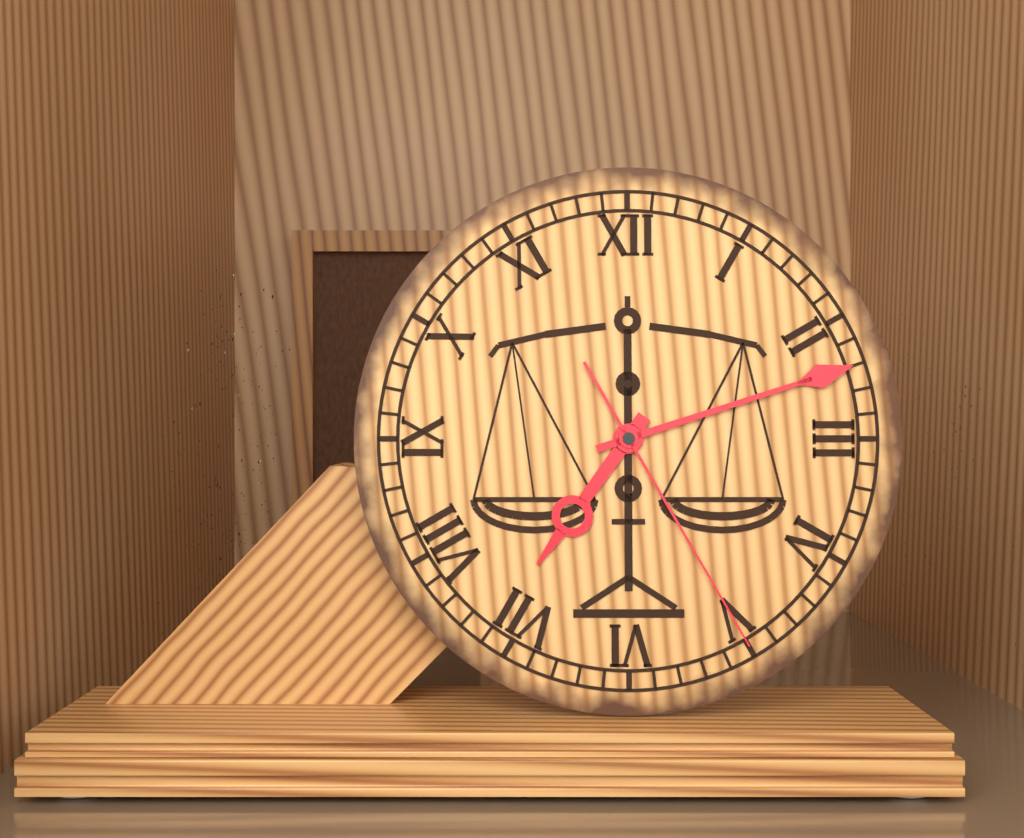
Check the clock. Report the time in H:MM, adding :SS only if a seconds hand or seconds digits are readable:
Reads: 7:12:25
